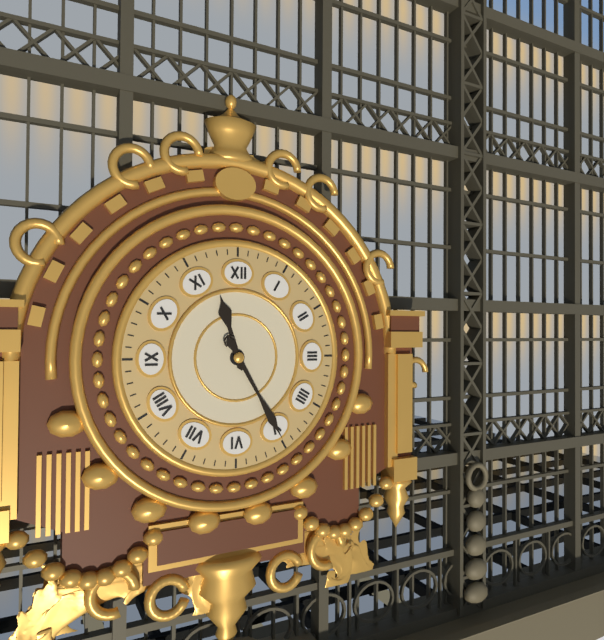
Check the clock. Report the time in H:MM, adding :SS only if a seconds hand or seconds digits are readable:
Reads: 11:25
